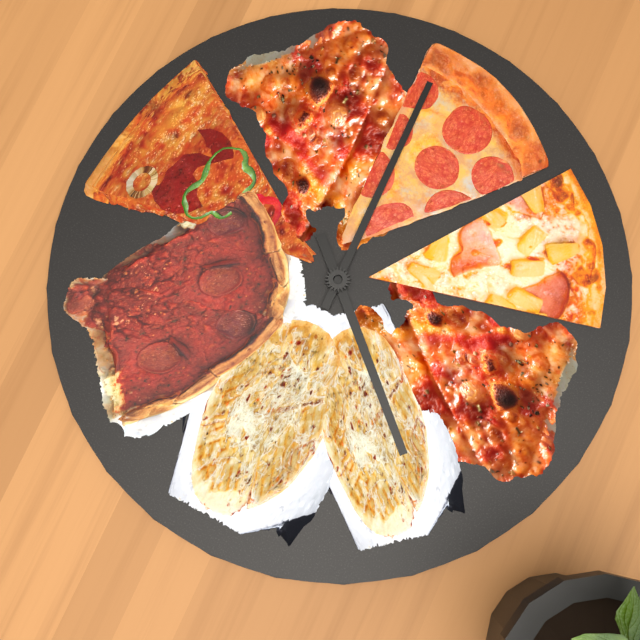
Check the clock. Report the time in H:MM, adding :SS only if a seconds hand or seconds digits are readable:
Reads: 10:30
